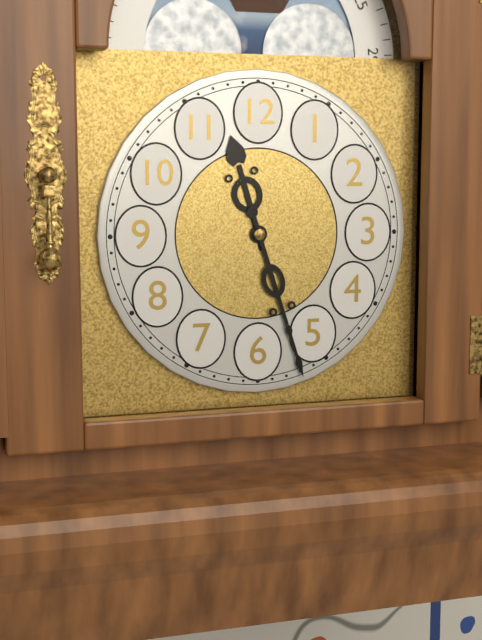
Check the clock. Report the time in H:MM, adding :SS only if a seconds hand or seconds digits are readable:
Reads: 11:27
